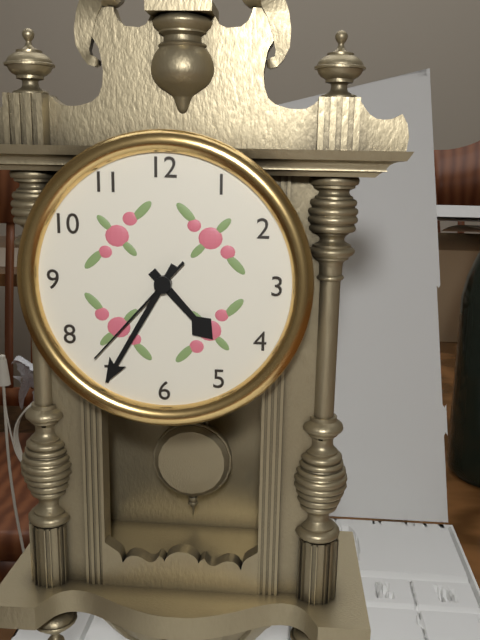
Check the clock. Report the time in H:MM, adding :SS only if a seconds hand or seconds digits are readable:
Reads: 4:35:37
